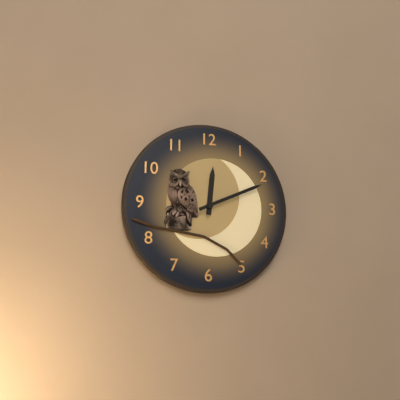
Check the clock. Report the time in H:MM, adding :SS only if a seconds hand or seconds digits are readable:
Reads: 12:11
